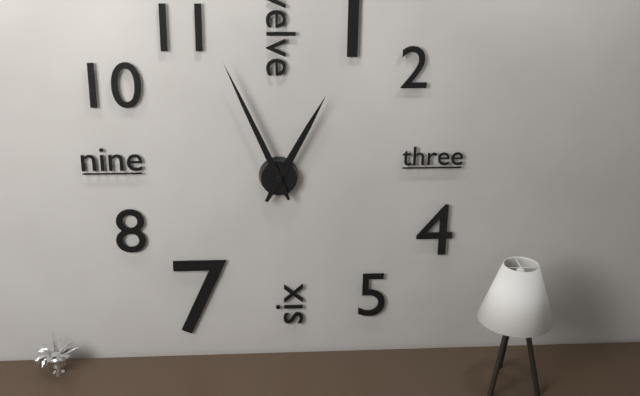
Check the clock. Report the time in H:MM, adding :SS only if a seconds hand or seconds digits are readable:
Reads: 12:56
